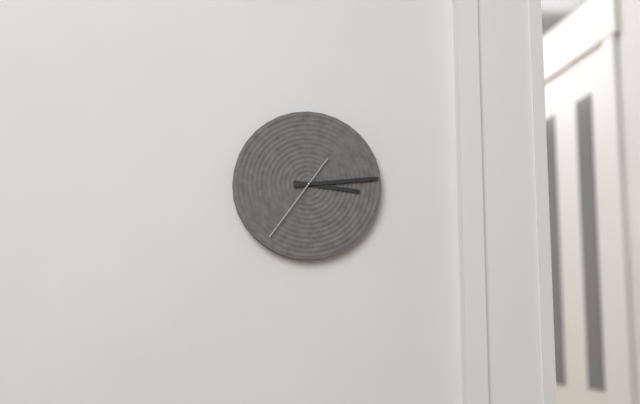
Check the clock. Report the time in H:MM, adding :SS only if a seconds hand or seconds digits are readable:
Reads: 3:14:36
